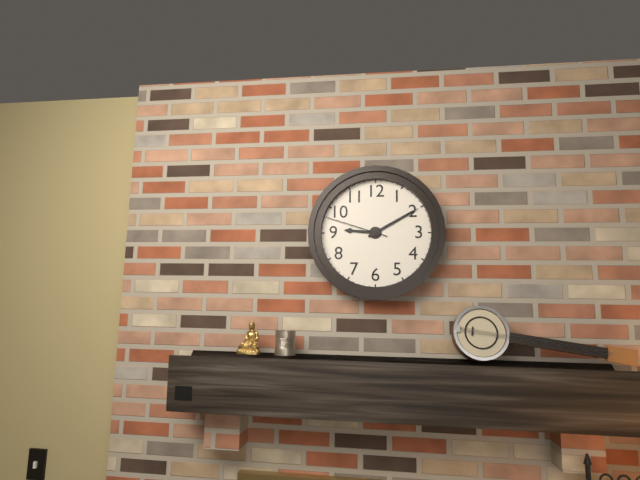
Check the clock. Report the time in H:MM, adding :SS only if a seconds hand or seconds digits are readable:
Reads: 9:10:48
